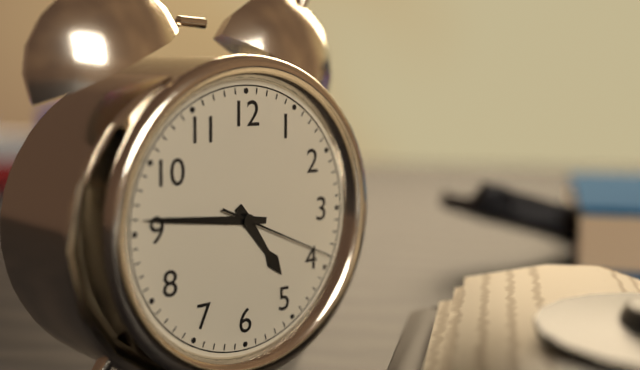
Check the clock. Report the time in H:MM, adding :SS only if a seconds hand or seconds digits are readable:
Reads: 4:46:19
